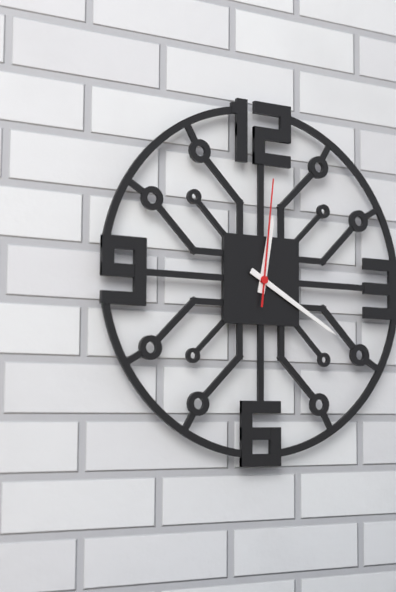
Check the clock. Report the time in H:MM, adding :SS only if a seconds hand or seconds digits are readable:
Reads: 12:20:01
